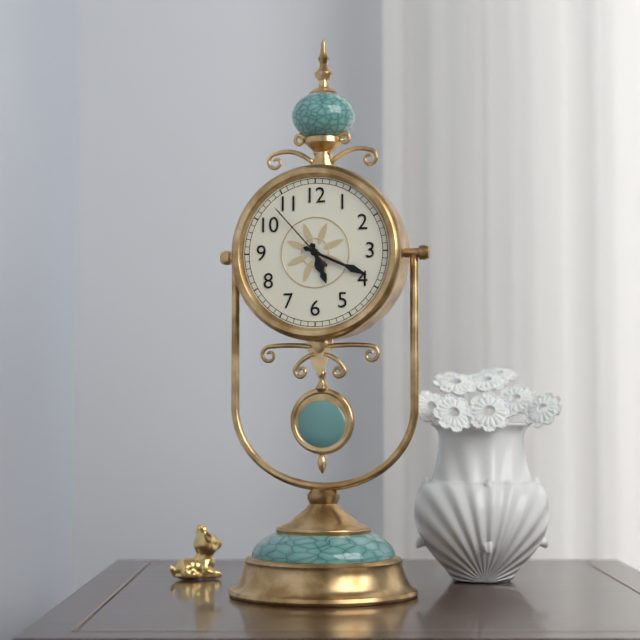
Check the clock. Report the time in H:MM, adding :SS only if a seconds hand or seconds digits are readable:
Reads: 5:19:53
